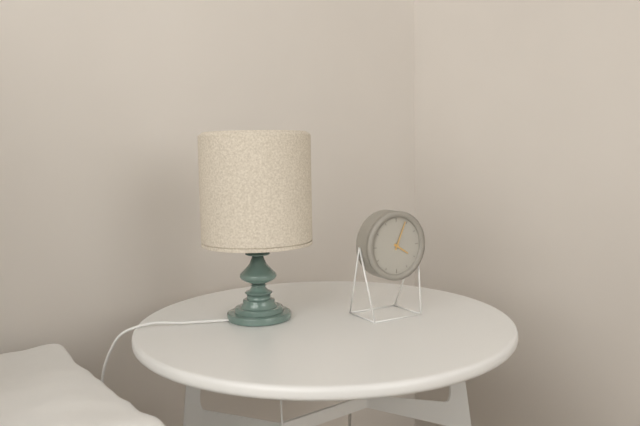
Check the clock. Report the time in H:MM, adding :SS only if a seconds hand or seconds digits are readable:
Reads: 4:04
